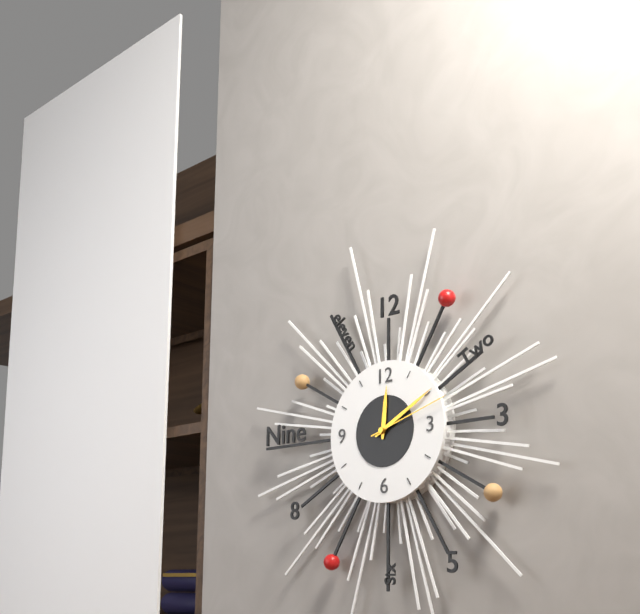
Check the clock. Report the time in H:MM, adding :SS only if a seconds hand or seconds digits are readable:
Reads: 12:10:12
